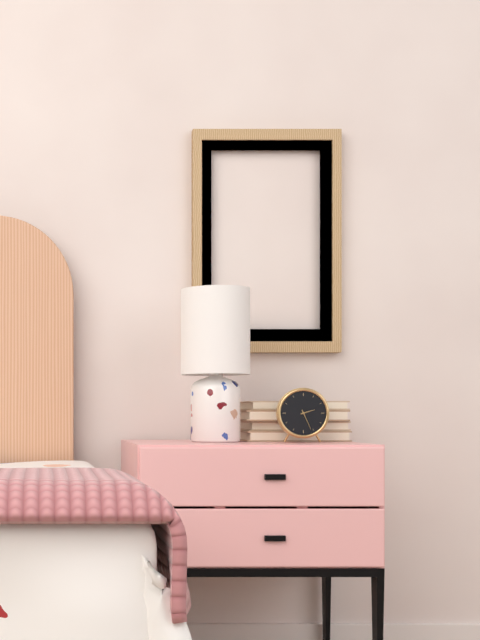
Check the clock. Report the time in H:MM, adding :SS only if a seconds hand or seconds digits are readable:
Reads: 2:26
